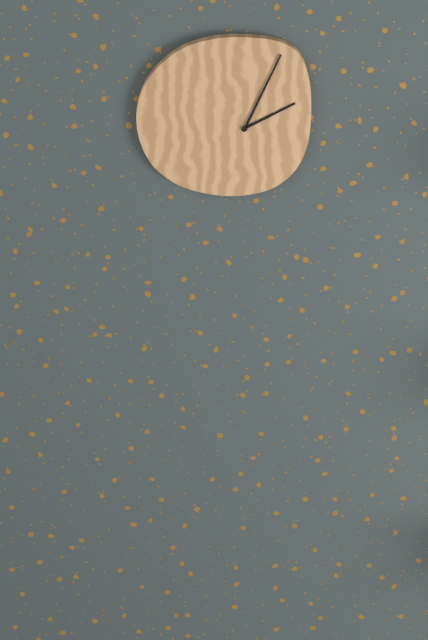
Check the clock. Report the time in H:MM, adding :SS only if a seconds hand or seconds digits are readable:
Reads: 2:04
